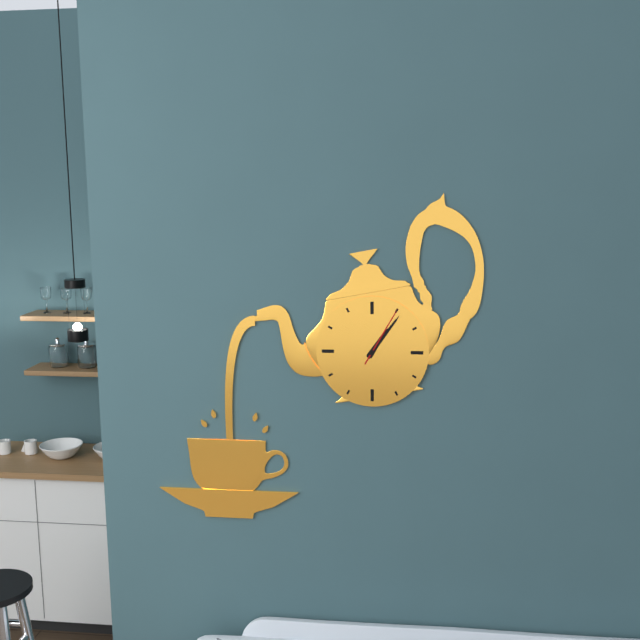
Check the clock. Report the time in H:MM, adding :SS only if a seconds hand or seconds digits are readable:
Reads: 1:06:05
